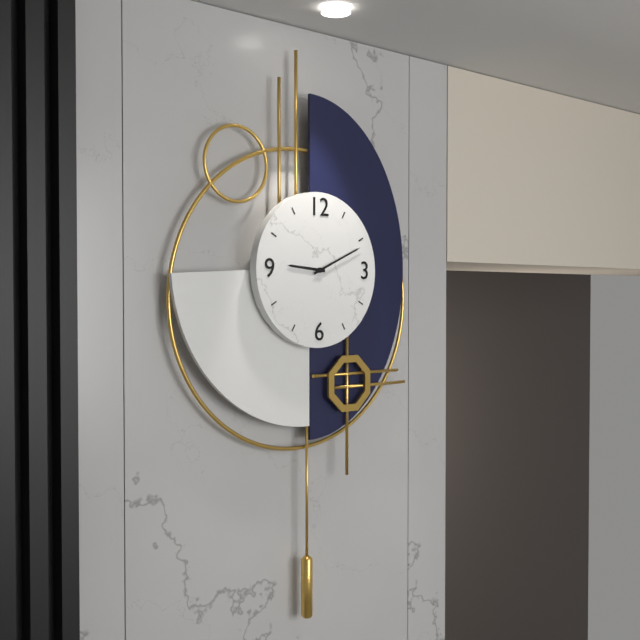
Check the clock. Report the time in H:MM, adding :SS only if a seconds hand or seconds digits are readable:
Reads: 9:11
